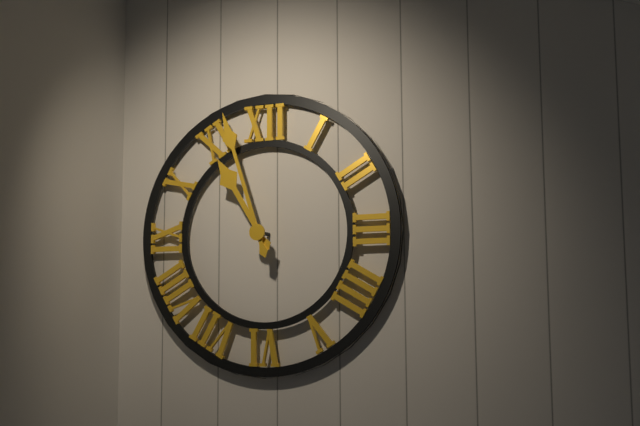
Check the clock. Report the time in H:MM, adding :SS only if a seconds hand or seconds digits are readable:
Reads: 10:57
